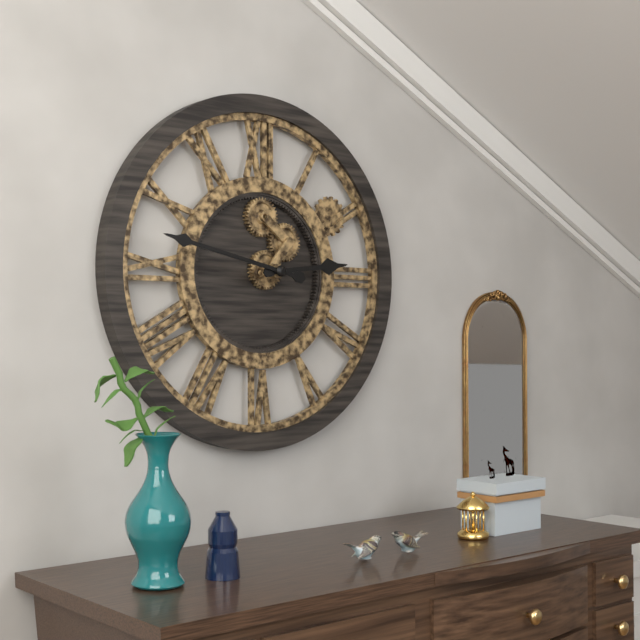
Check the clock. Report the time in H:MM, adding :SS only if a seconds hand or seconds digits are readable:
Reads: 2:47
